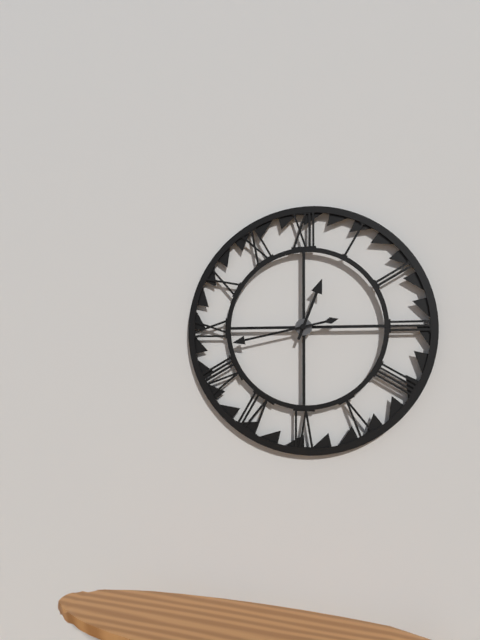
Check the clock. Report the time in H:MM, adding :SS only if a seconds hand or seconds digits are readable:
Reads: 12:43
